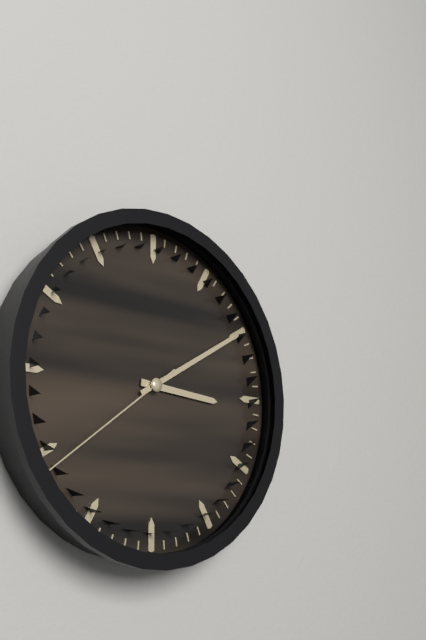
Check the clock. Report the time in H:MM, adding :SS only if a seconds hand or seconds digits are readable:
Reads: 3:10:39
